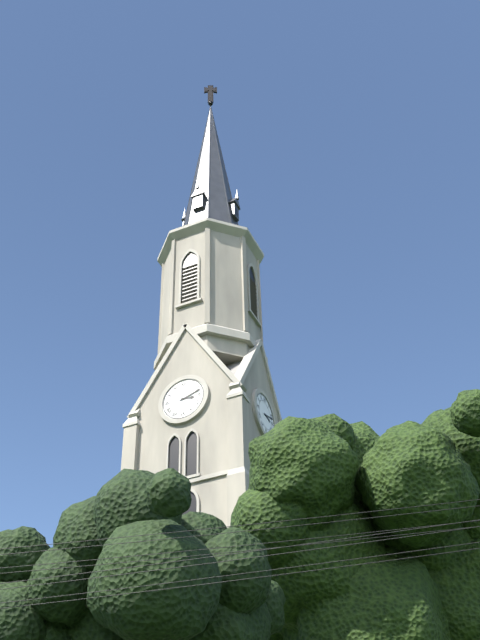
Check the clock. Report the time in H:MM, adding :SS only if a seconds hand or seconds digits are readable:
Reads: 3:12
